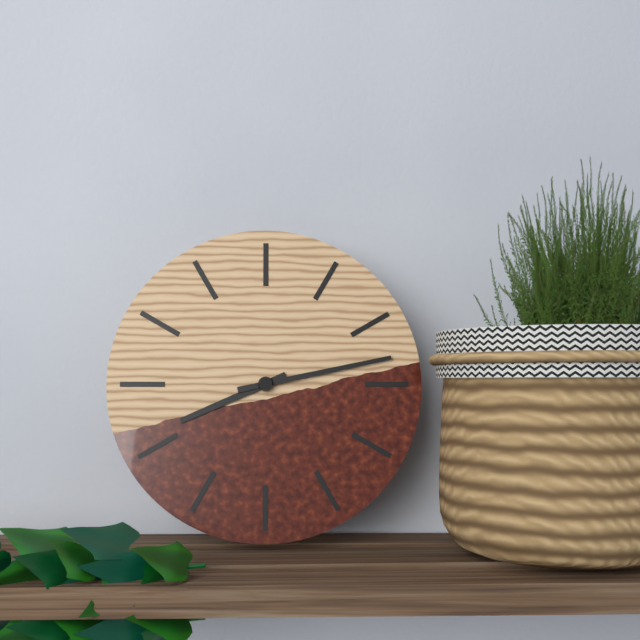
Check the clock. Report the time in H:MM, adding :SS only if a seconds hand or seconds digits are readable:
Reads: 8:13
